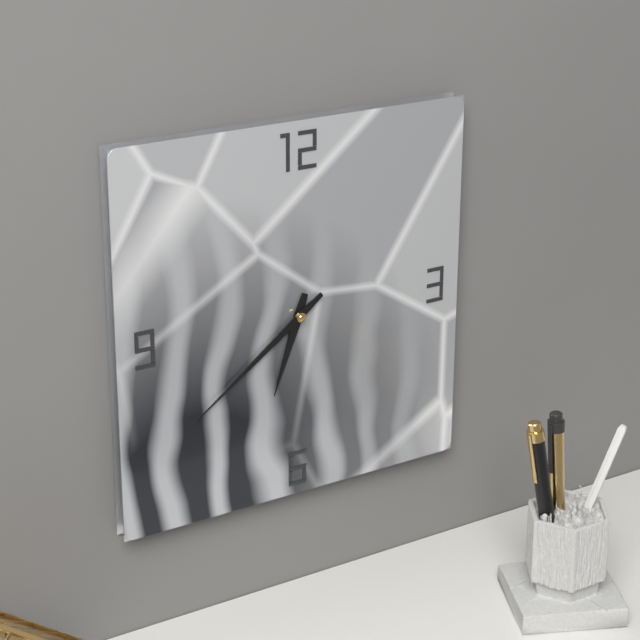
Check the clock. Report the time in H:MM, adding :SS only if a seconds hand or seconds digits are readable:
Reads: 6:39
